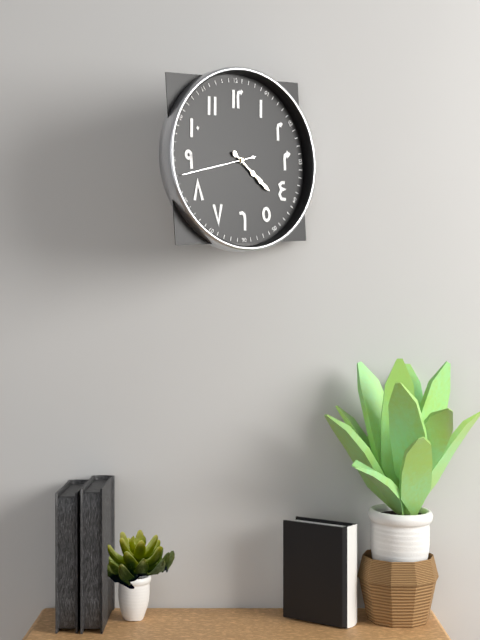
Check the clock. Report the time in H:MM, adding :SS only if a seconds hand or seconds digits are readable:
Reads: 4:22:43
